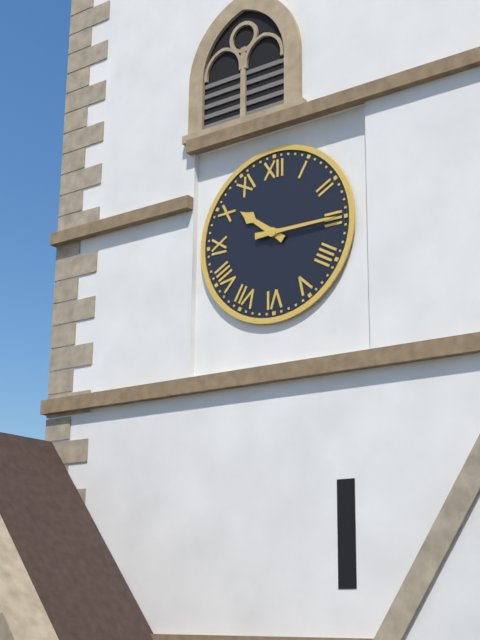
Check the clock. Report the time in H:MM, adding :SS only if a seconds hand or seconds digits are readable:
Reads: 10:15
